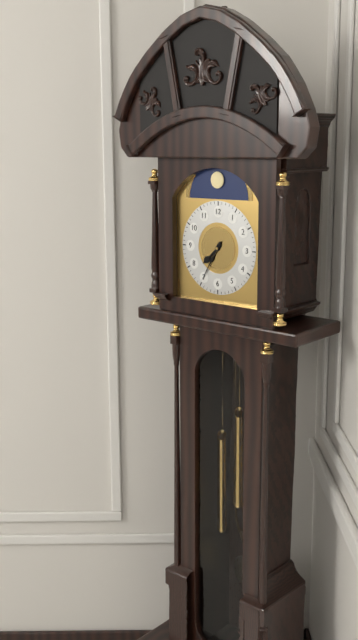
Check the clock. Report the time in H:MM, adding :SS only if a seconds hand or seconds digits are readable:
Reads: 7:35
